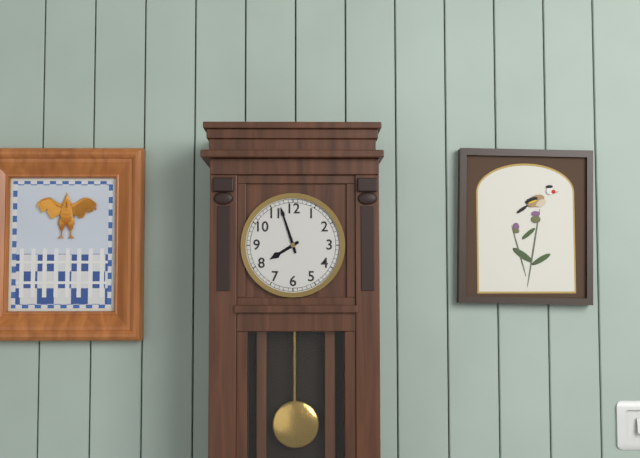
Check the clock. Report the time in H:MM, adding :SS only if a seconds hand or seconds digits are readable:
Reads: 7:57
